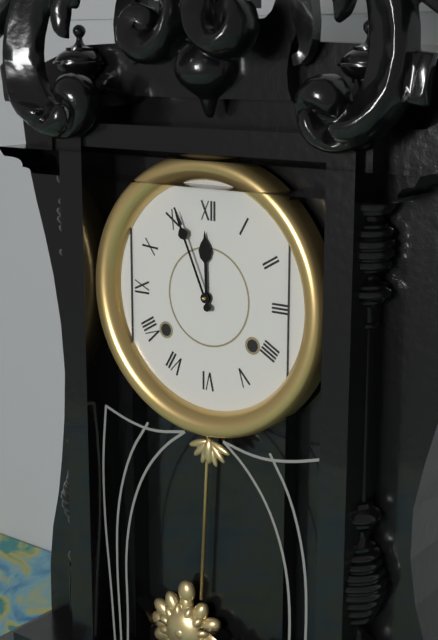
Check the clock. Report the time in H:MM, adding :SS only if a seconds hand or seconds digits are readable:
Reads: 11:56
